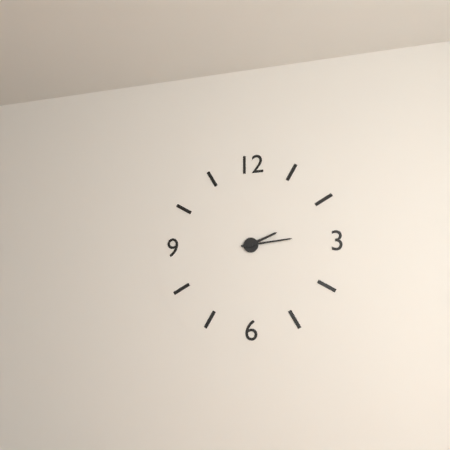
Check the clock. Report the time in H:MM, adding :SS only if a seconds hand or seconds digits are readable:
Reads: 2:14
